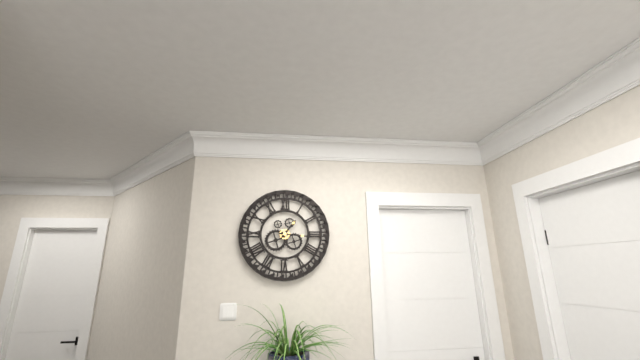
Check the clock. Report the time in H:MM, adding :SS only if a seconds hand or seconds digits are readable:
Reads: 1:16
